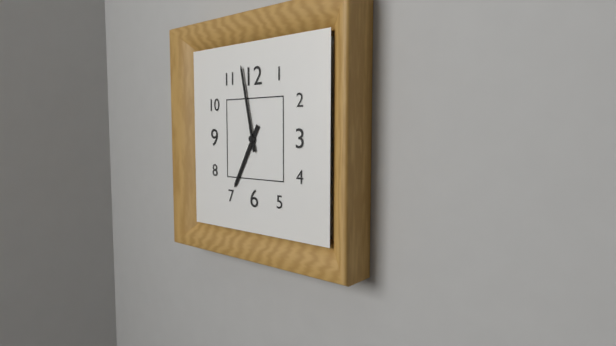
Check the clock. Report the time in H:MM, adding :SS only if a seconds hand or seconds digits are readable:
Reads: 6:58
